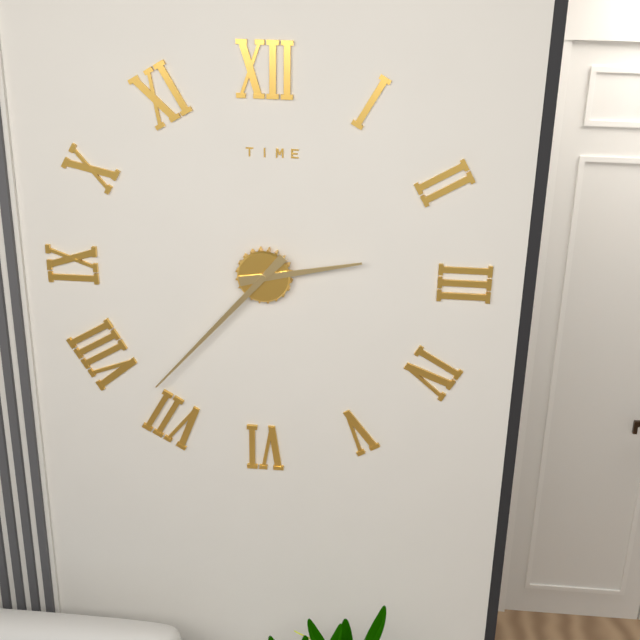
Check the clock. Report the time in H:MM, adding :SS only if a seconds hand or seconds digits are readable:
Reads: 2:37
